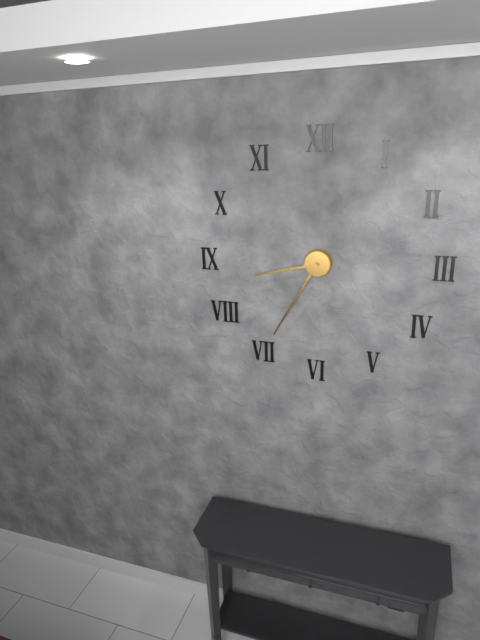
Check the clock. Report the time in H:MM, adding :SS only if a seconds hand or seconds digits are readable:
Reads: 8:35
